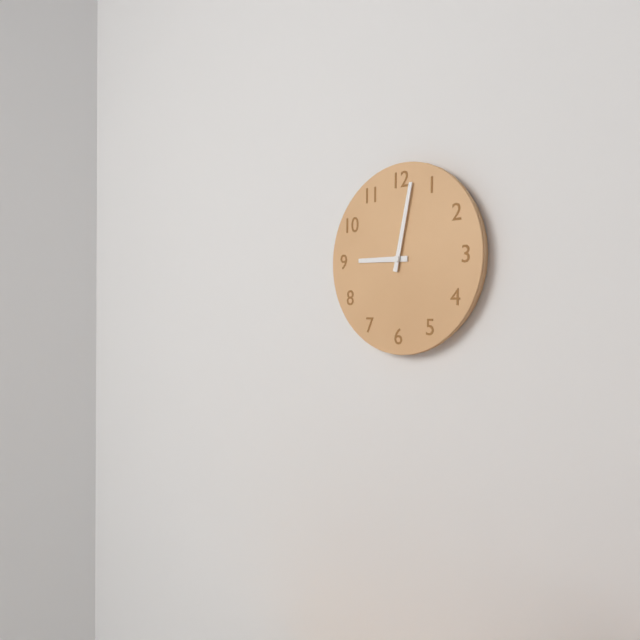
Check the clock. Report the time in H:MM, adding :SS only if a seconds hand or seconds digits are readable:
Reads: 9:02
